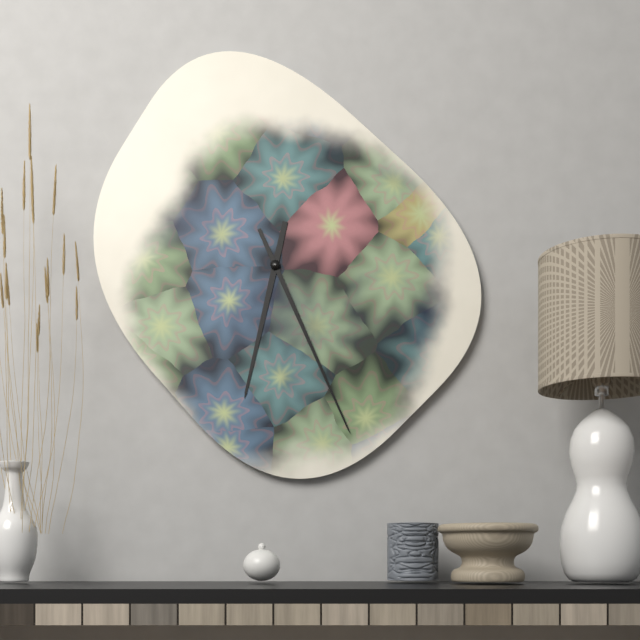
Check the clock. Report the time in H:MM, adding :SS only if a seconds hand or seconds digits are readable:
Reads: 6:26
